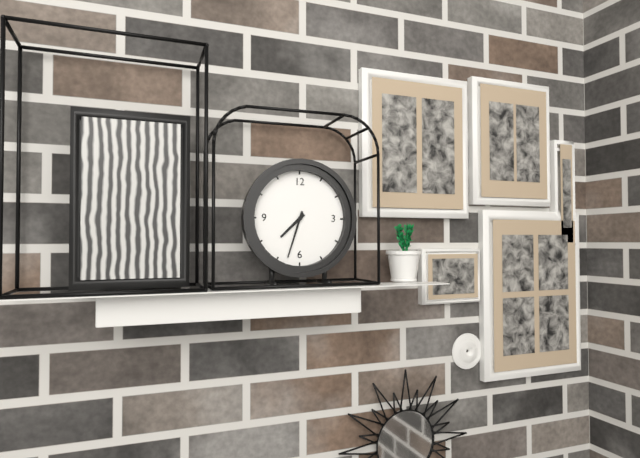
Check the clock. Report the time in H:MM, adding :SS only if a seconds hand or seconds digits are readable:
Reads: 7:33
